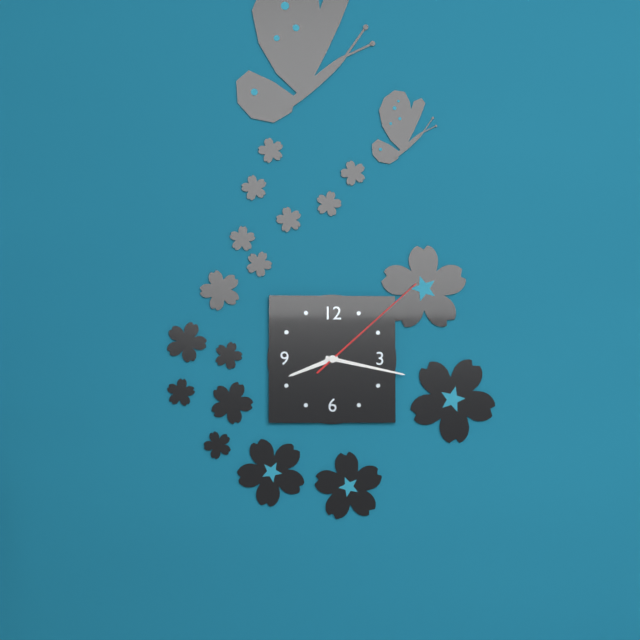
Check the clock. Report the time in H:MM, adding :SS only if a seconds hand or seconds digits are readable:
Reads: 8:17:08
